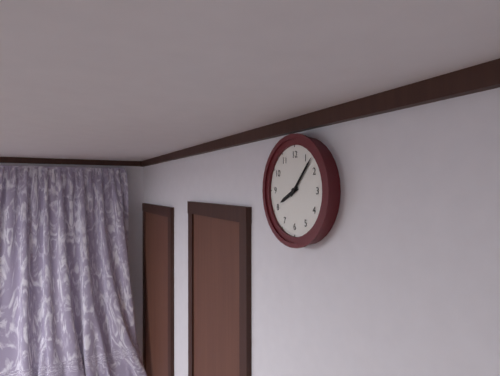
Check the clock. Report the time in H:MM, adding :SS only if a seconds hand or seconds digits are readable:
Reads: 8:07
